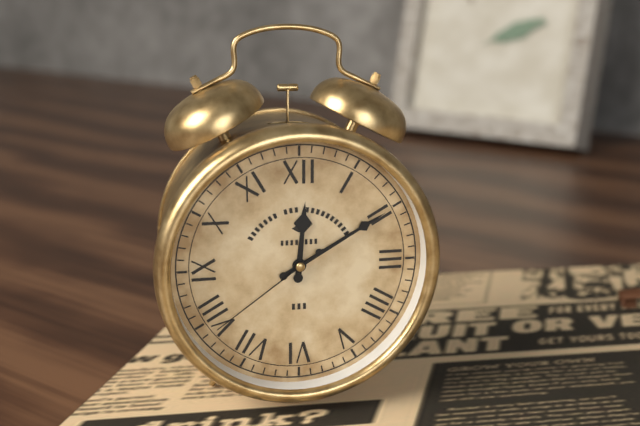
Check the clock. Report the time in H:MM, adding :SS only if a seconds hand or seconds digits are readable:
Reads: 12:10:39
